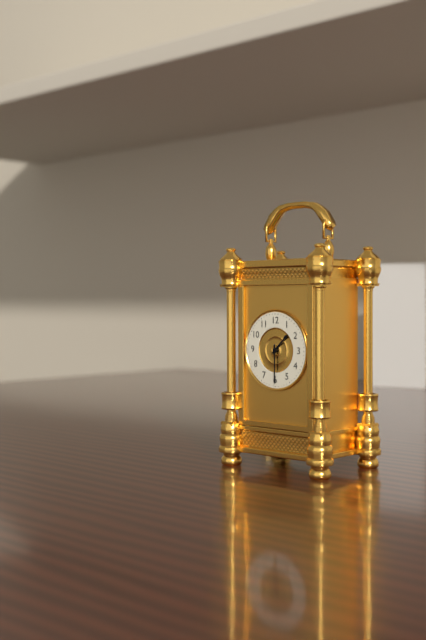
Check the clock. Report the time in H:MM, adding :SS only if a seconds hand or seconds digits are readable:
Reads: 1:30
